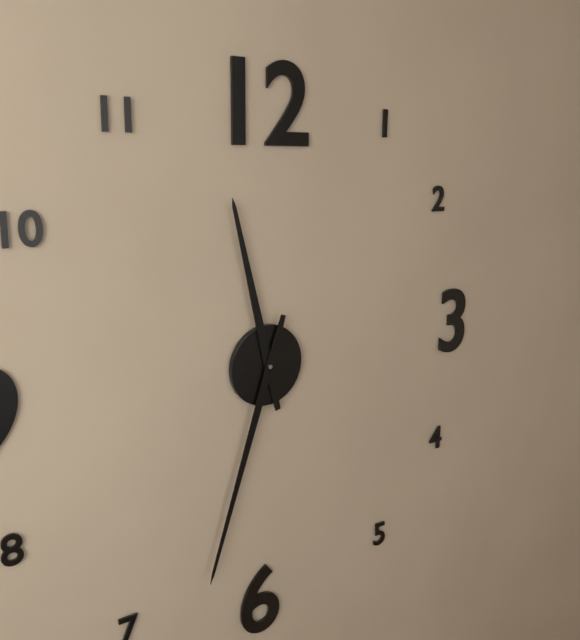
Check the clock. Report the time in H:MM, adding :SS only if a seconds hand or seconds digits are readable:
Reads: 11:33
